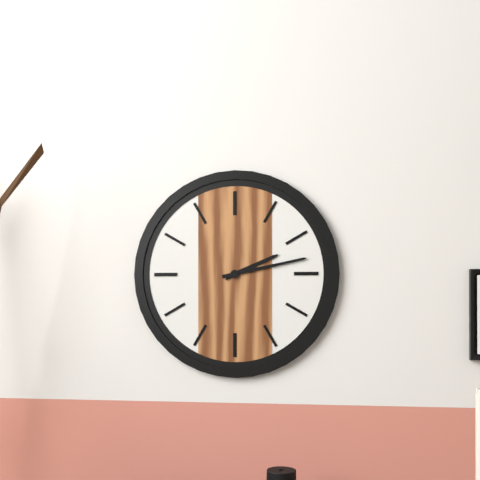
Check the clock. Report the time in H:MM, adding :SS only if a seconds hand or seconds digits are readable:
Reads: 2:13
